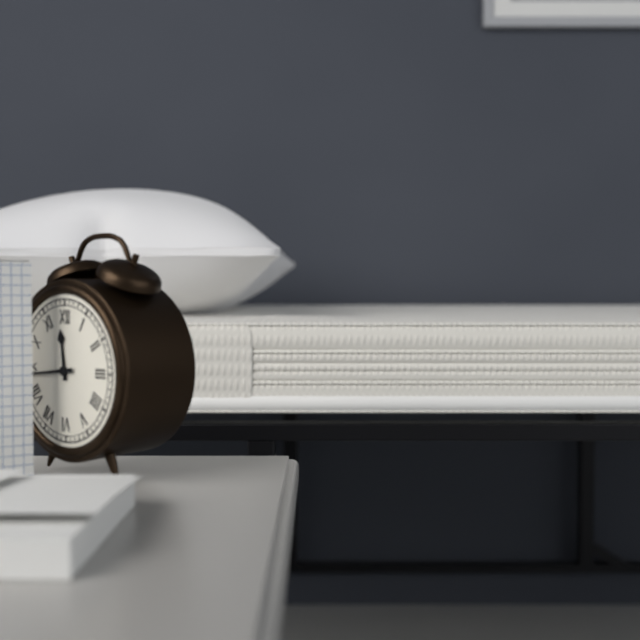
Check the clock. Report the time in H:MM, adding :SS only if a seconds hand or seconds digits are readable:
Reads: 11:44
